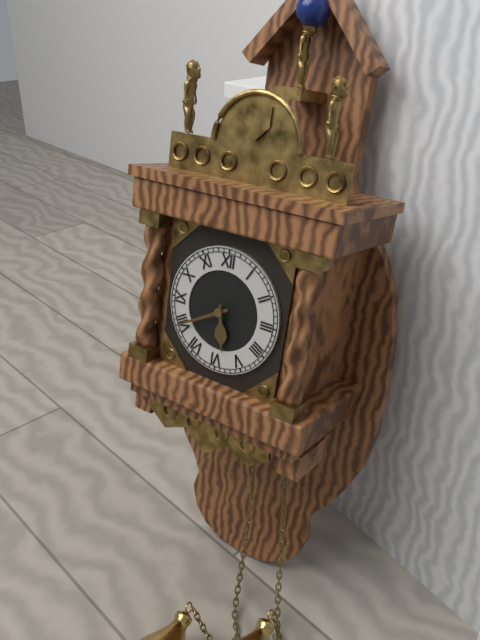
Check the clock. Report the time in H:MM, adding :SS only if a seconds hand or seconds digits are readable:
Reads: 5:40
